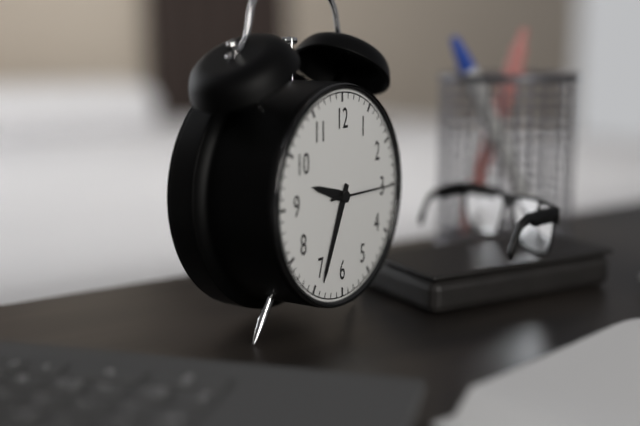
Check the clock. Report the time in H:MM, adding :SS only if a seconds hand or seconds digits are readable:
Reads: 9:34:15
